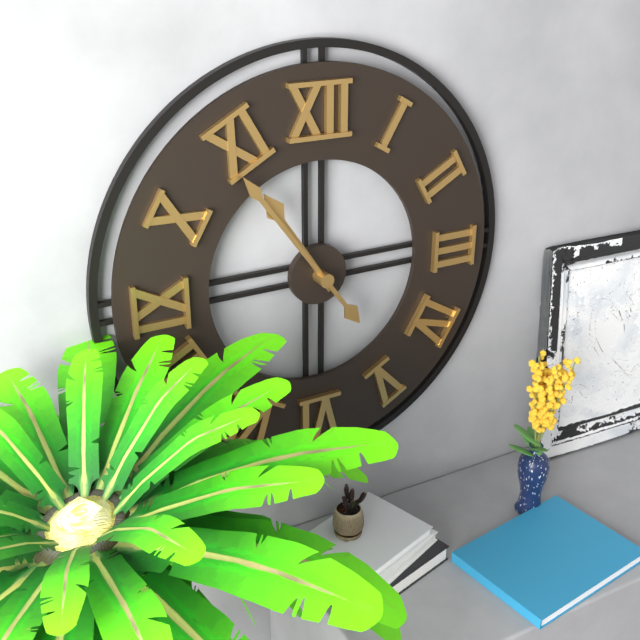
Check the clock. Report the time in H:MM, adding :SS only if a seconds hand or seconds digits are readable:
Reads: 10:54
